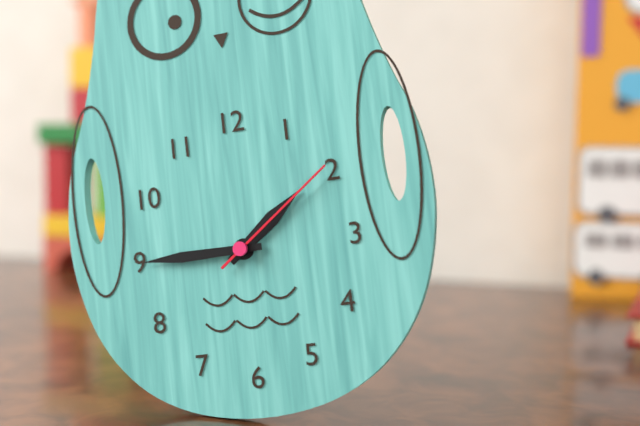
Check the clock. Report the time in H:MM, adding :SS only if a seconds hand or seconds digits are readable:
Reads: 1:45:09
